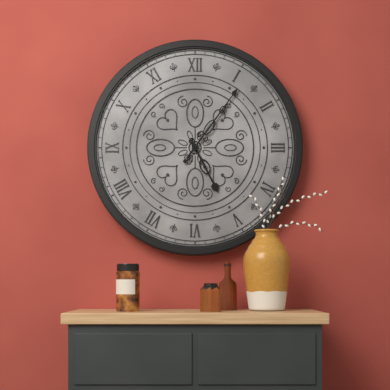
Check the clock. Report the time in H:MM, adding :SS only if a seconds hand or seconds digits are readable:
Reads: 5:06
